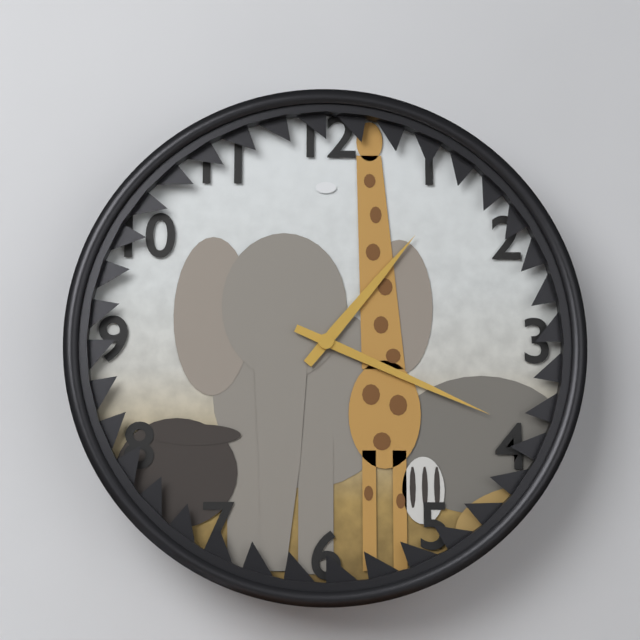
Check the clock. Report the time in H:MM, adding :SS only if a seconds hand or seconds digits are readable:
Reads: 1:19
